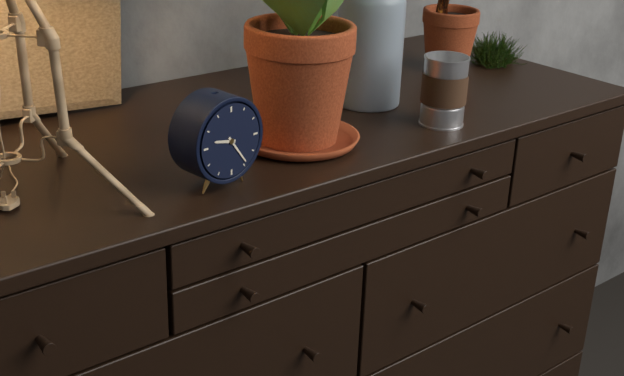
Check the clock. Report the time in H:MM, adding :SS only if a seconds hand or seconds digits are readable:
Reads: 9:24
